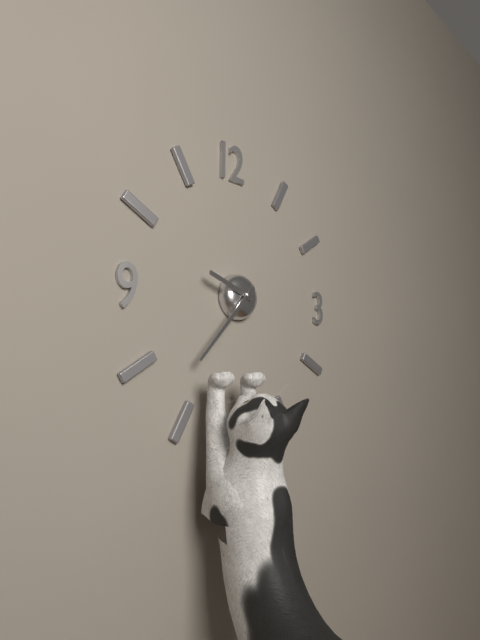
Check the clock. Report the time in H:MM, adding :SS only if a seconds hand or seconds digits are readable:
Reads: 9:37
